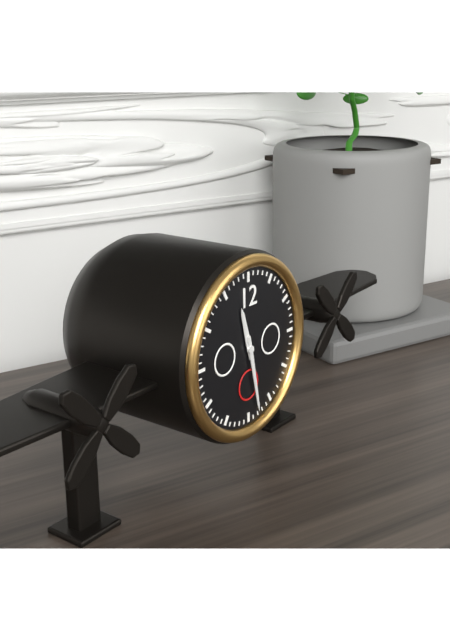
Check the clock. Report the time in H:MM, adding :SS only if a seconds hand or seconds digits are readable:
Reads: 11:28
